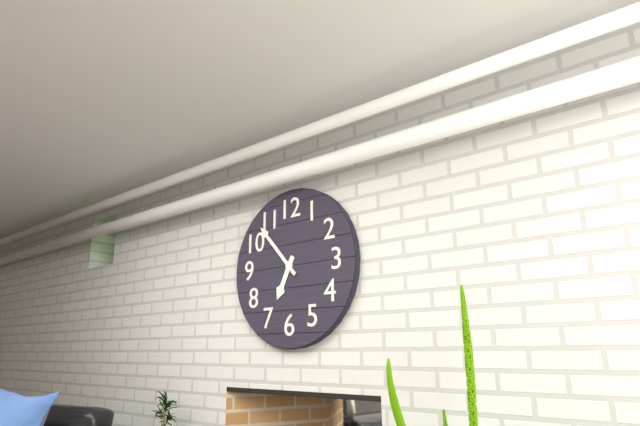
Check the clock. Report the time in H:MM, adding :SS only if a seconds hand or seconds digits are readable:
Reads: 6:53
